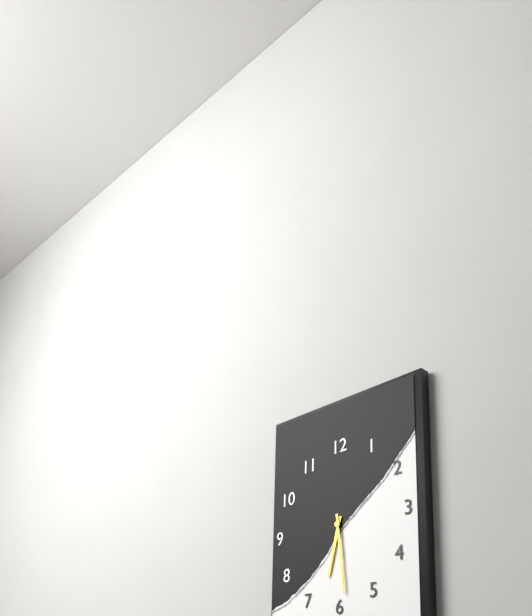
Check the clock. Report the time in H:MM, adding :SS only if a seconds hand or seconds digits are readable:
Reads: 6:29
